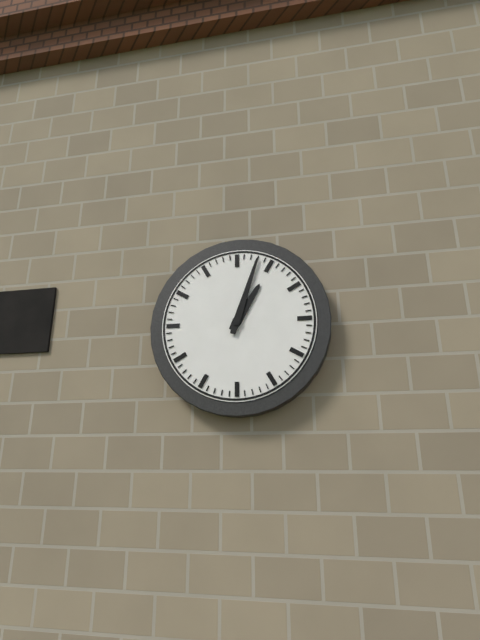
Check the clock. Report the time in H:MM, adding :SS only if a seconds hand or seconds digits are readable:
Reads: 1:03
